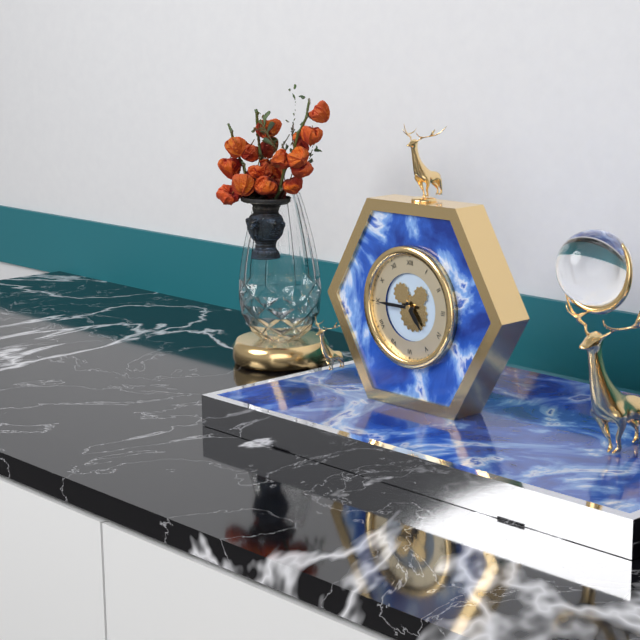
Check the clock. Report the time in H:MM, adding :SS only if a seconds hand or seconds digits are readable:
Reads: 4:45
